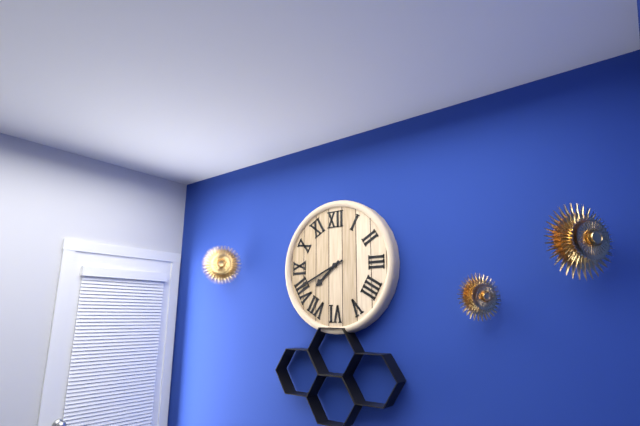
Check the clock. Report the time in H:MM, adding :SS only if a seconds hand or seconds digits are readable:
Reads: 7:41
